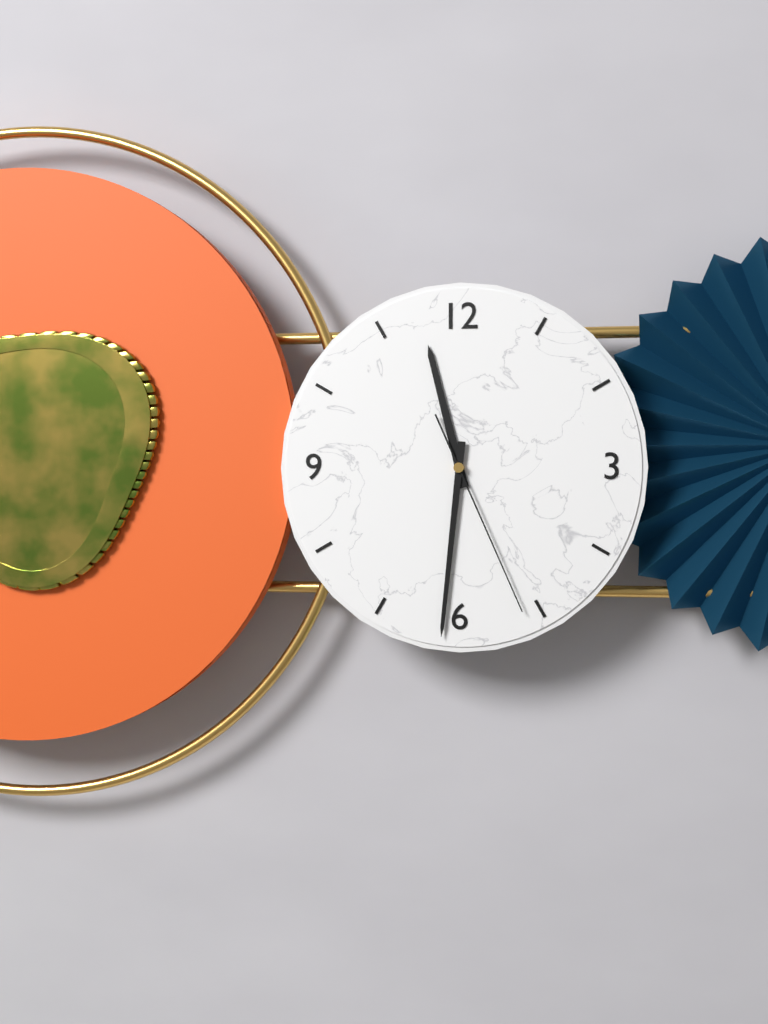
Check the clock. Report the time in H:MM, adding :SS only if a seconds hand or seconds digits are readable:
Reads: 11:31:26
